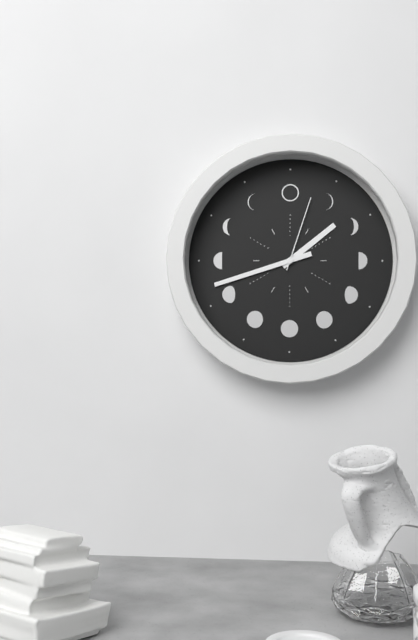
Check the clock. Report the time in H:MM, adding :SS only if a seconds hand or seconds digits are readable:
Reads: 1:42:03
